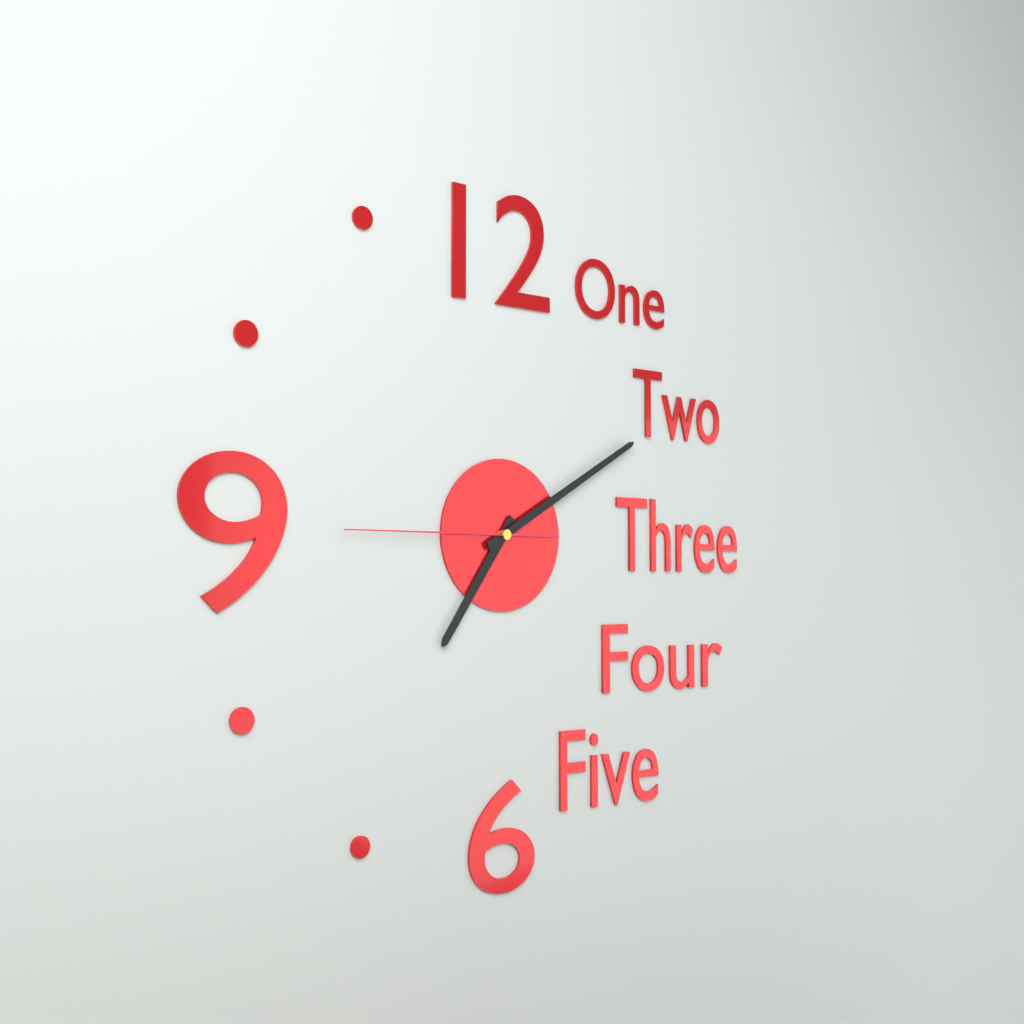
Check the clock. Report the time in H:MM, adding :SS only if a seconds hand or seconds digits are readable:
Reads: 7:10:45
